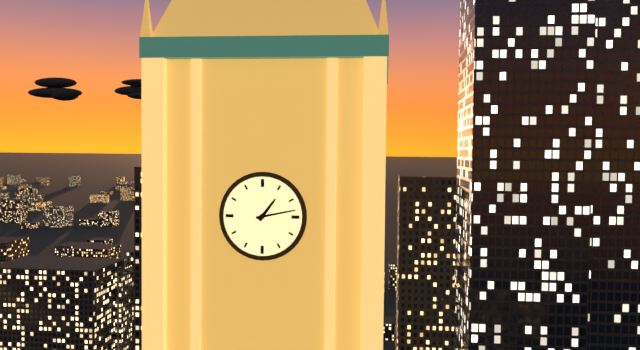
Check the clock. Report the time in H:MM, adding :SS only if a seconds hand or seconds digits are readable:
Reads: 1:13
